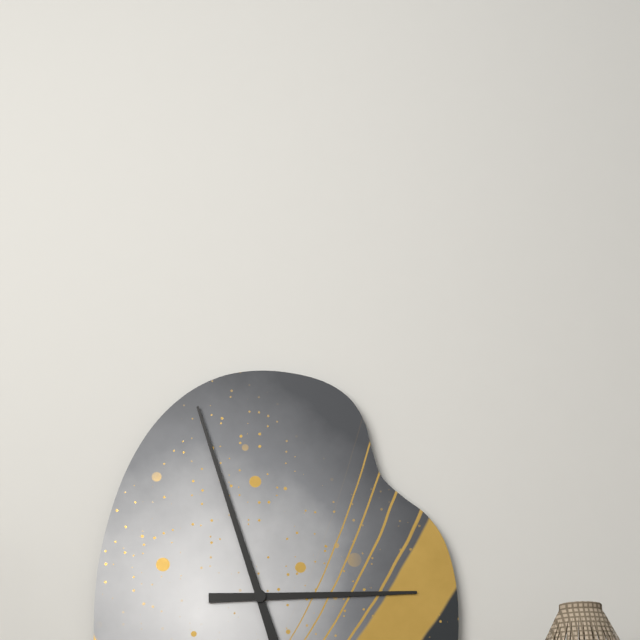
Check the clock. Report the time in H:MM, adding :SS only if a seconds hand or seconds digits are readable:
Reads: 2:57
